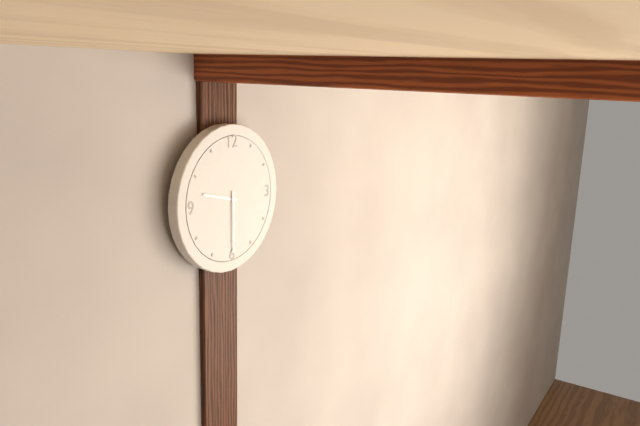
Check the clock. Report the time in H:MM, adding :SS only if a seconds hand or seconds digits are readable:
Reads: 9:30
